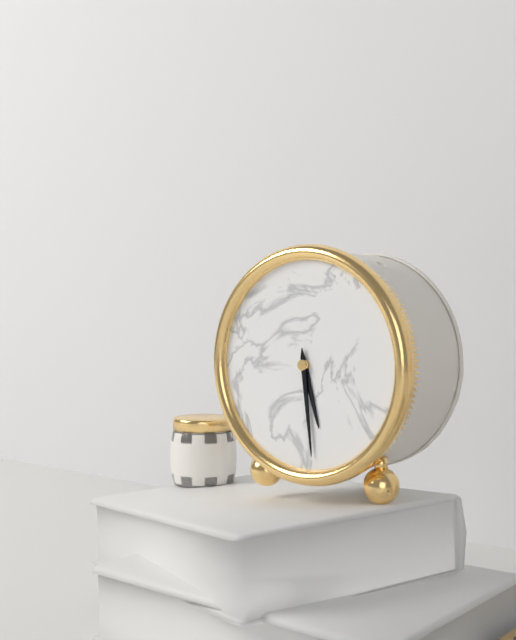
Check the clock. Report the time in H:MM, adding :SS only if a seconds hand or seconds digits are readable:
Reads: 5:29
